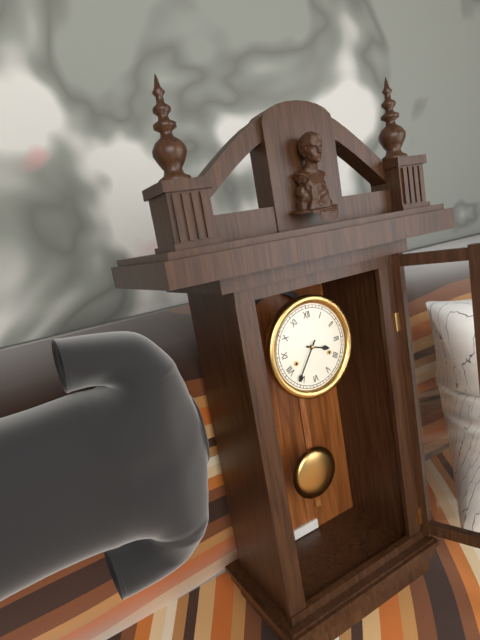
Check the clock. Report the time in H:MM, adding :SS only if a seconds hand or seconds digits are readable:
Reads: 3:36
